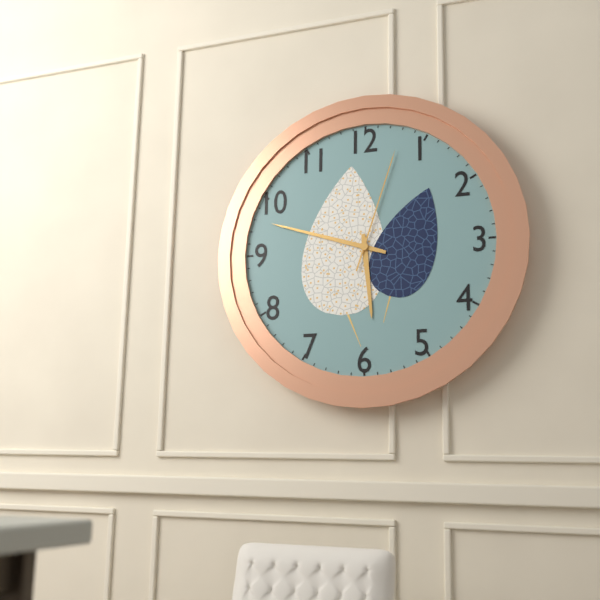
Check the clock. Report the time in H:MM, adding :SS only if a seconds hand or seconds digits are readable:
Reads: 5:48:03
